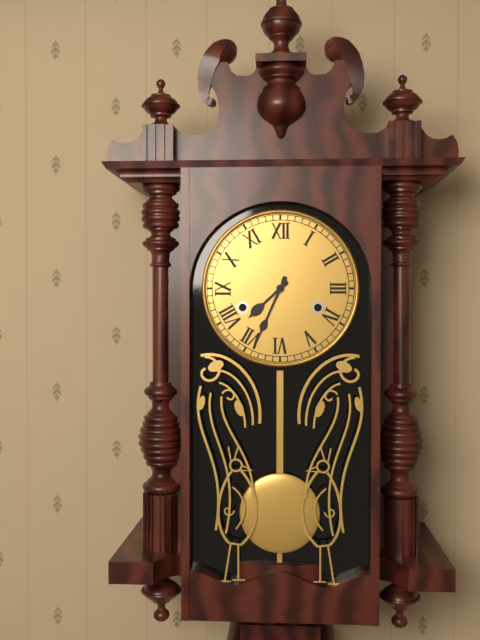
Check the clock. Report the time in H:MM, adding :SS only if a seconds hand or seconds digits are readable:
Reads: 7:34
